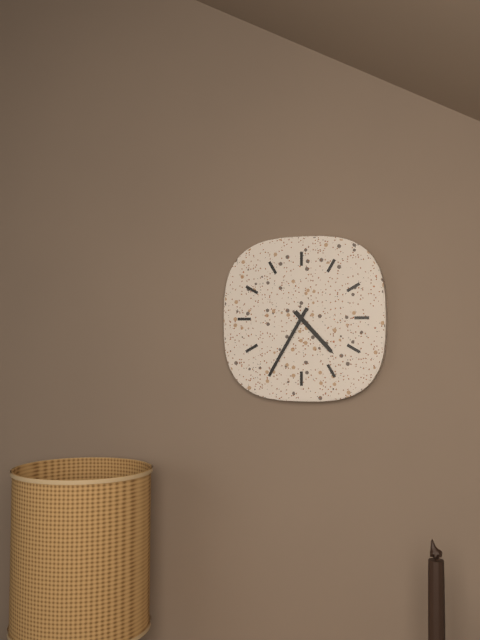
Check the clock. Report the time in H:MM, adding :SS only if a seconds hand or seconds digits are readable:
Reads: 4:35
